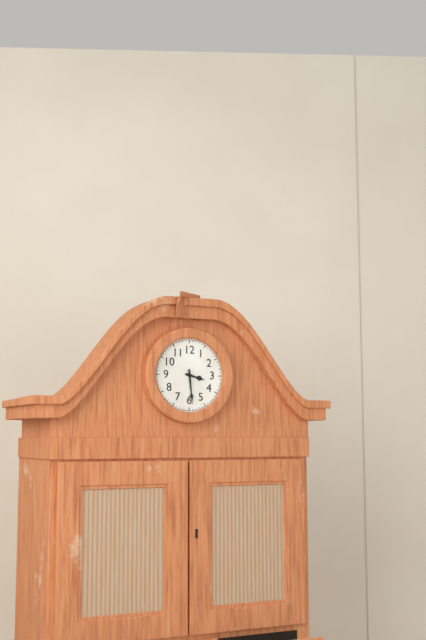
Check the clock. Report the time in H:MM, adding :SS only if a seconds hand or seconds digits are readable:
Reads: 3:29
